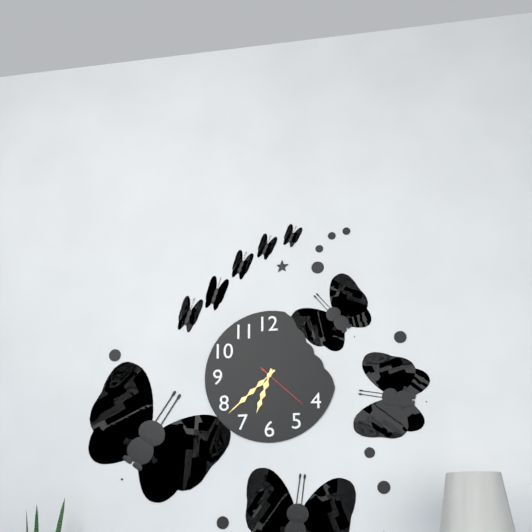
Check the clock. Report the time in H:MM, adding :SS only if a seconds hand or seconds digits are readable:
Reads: 6:38:22
